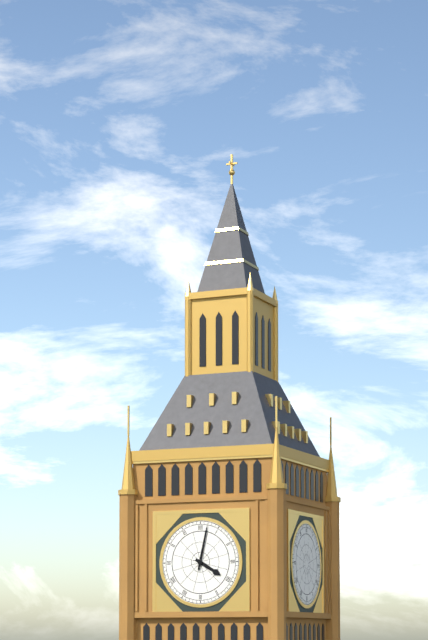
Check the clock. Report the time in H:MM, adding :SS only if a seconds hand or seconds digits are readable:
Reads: 4:02
